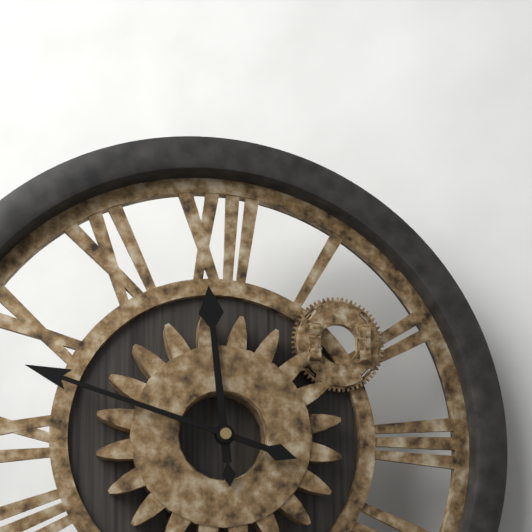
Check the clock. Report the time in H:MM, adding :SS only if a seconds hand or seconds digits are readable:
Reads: 11:48
